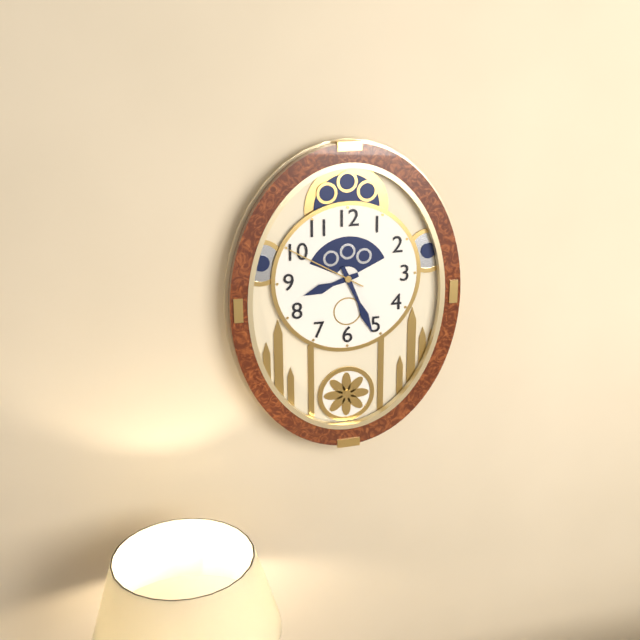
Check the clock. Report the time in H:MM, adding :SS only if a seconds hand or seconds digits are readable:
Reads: 8:26:50
